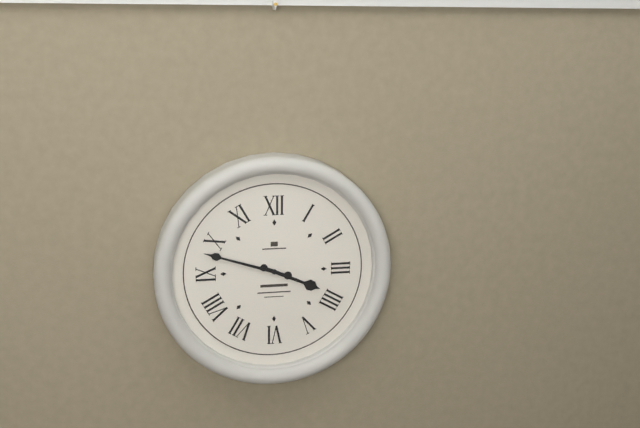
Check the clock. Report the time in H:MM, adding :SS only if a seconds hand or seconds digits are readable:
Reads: 3:48
